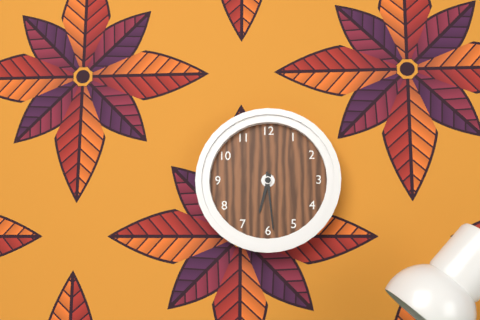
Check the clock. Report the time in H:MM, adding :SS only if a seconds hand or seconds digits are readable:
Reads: 6:29
